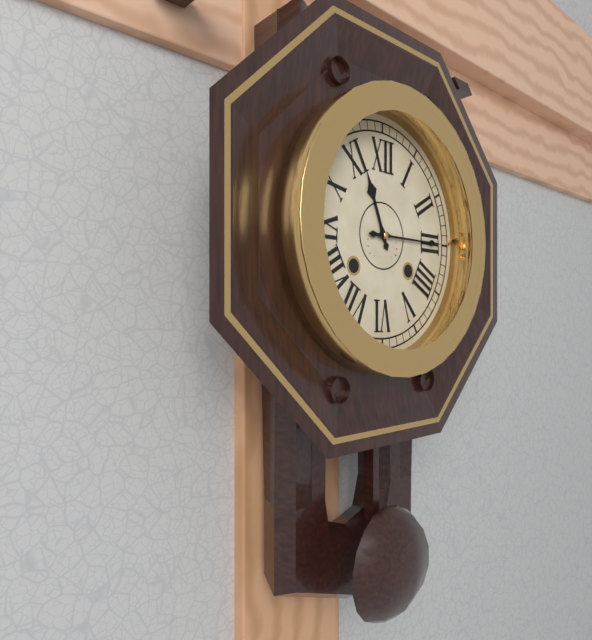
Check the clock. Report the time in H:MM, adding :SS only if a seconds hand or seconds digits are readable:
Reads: 11:15
